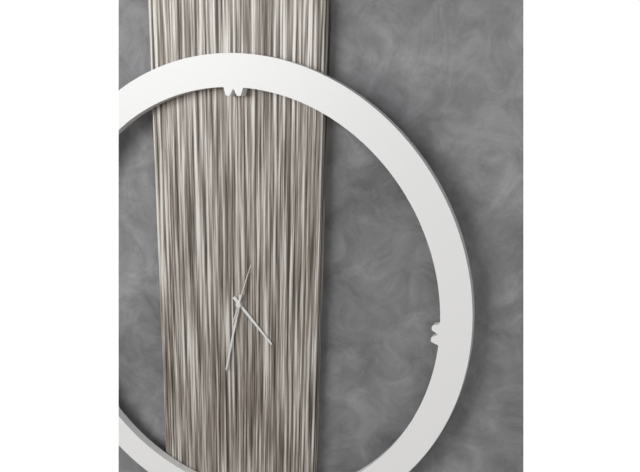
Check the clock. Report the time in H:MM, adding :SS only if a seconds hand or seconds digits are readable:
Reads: 4:32:03
